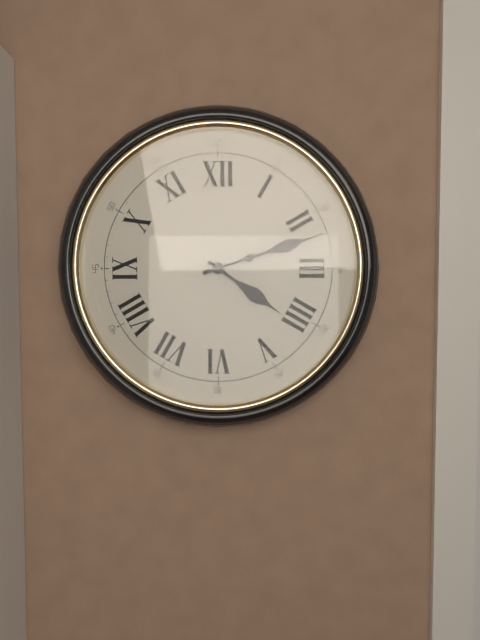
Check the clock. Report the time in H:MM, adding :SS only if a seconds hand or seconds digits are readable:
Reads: 4:12
